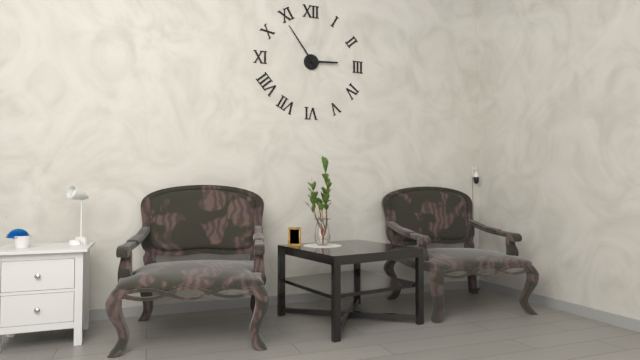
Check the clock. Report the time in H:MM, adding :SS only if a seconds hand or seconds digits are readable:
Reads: 2:54
